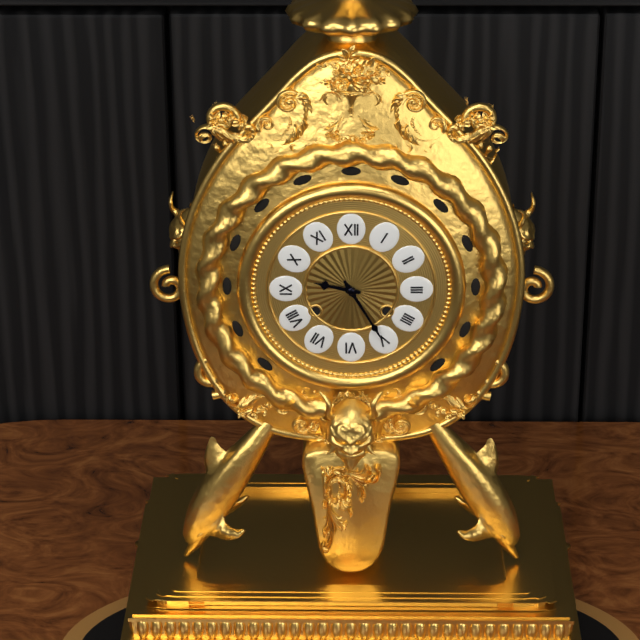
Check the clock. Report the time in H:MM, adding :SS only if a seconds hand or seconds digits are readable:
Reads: 9:25
